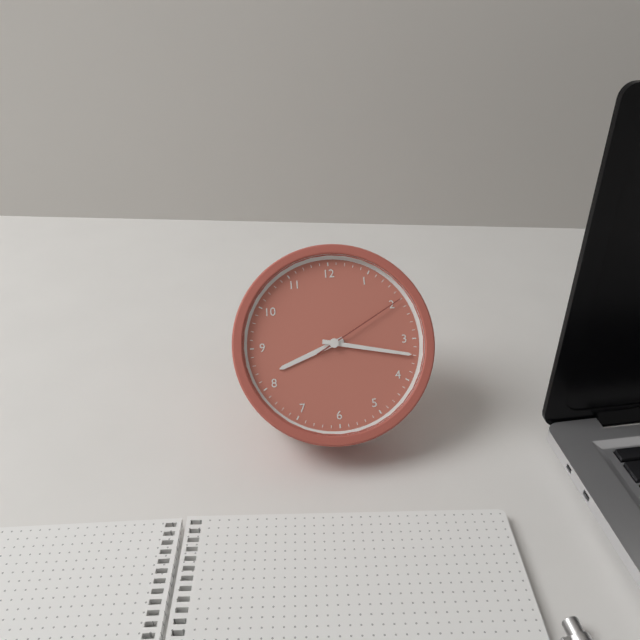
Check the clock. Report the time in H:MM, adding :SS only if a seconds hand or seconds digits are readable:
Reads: 8:17:10
